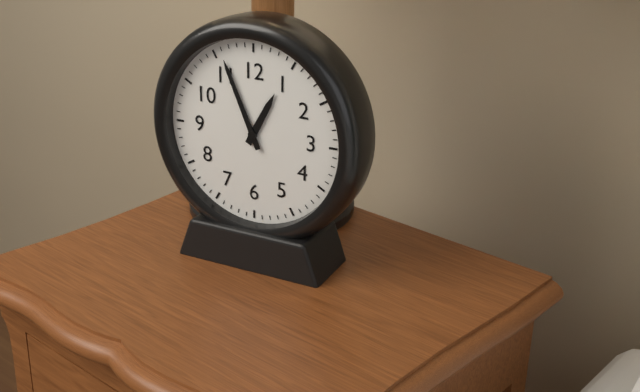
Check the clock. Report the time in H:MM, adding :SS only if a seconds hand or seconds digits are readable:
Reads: 12:56
